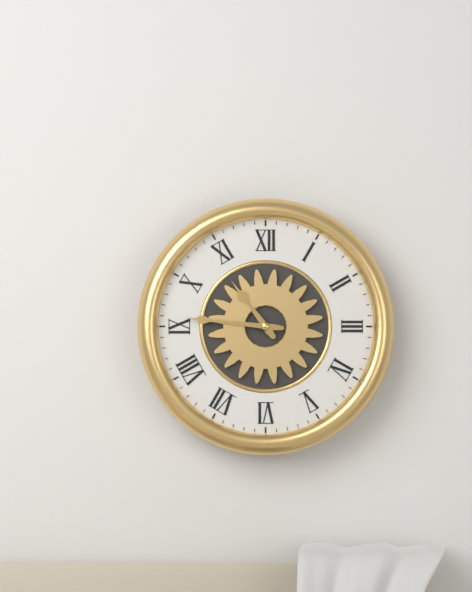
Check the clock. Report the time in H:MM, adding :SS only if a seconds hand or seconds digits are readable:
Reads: 10:46
